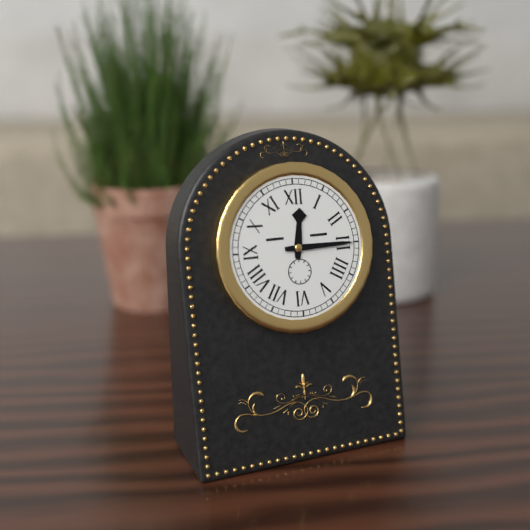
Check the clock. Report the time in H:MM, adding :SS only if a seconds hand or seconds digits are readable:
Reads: 12:15
